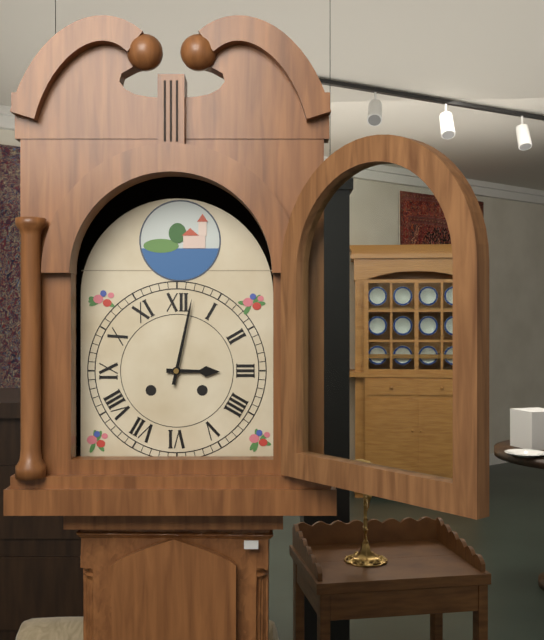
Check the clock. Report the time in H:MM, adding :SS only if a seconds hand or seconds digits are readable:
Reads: 3:02
